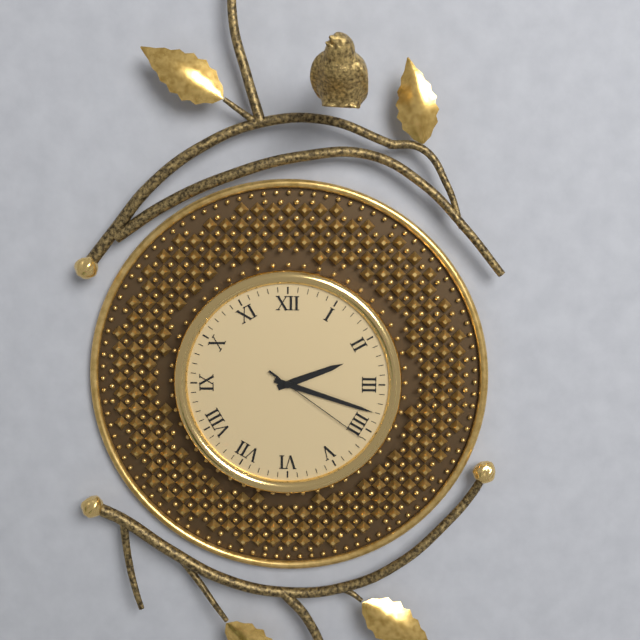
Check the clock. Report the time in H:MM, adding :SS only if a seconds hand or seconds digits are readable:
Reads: 2:18:21
